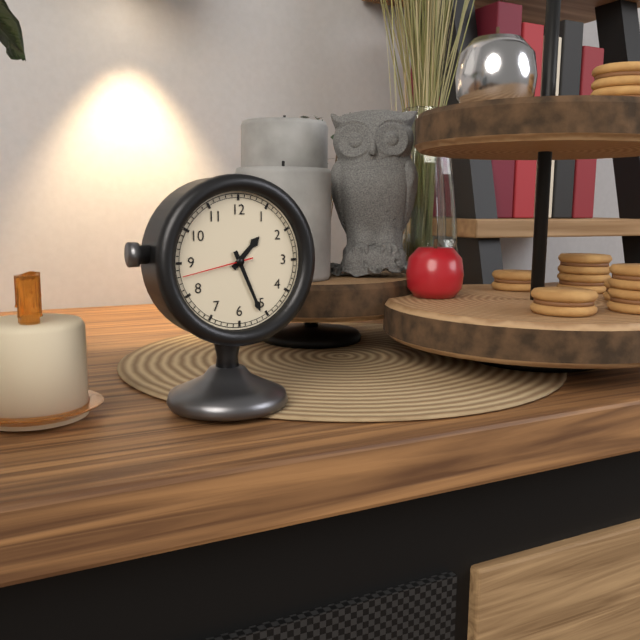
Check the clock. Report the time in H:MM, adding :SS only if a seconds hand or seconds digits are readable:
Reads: 1:26:43
